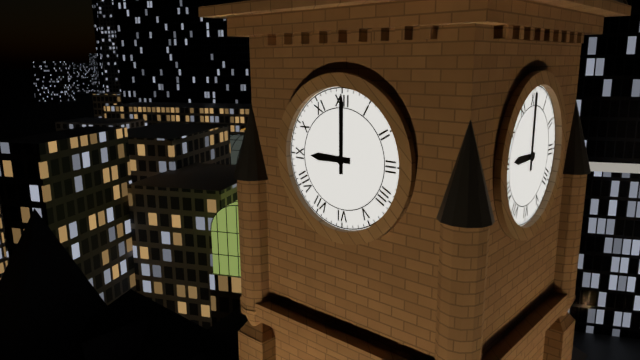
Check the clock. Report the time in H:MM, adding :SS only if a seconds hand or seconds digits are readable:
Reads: 9:00
